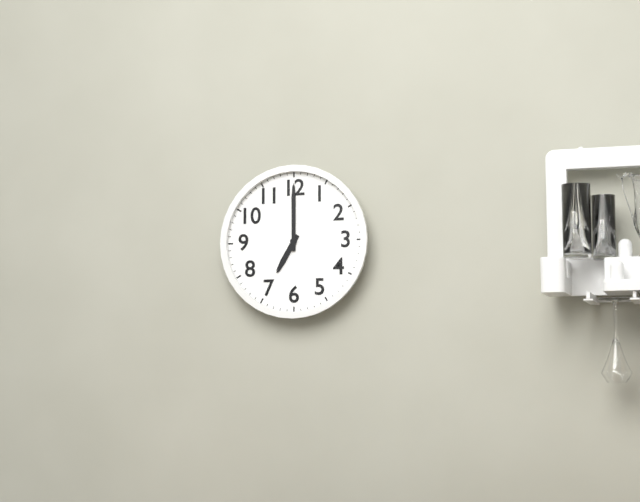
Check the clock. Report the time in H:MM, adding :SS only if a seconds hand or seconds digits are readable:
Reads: 7:00
